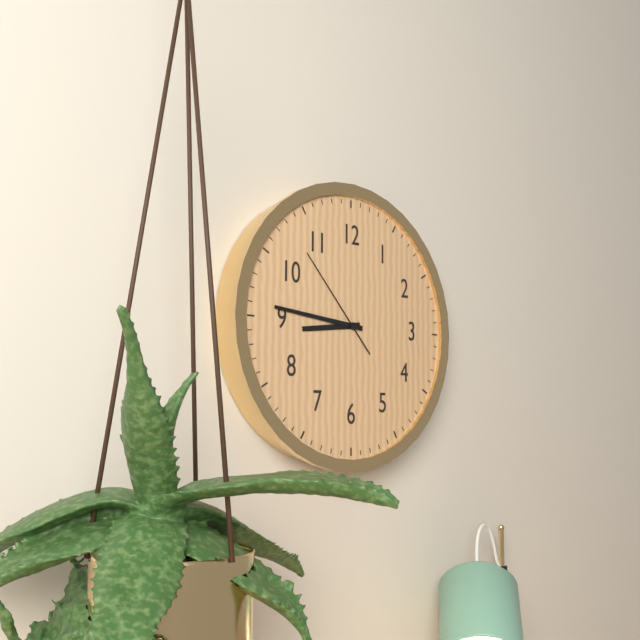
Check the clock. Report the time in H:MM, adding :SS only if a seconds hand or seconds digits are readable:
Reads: 8:46:53
